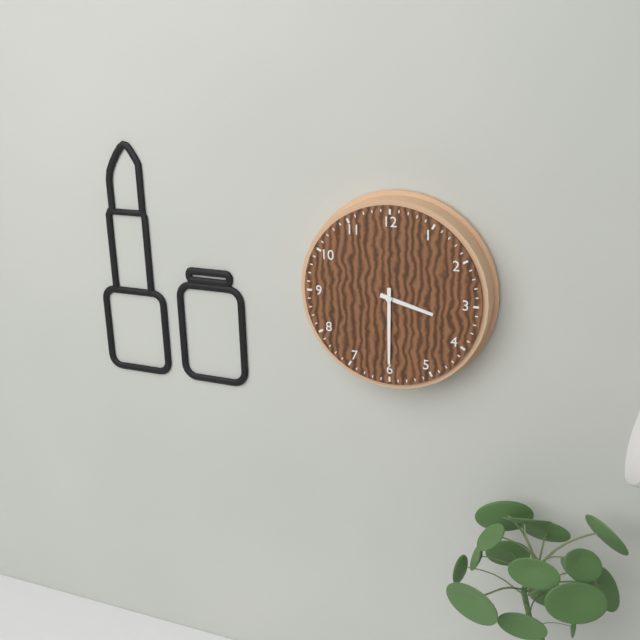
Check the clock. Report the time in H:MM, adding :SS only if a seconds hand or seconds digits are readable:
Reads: 3:30
